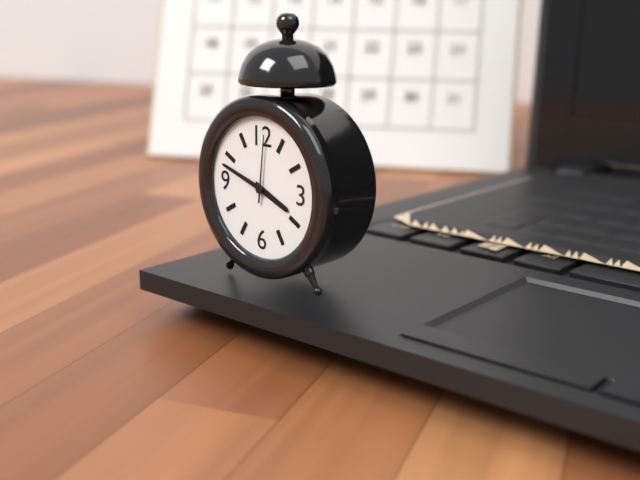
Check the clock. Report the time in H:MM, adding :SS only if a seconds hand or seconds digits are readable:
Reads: 3:48:01
